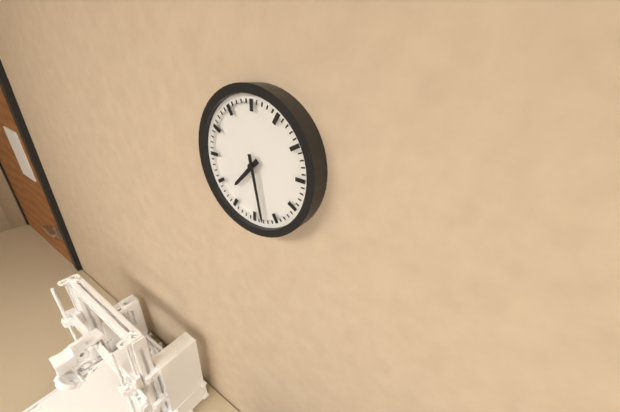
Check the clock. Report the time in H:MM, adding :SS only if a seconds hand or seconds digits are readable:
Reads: 7:28
